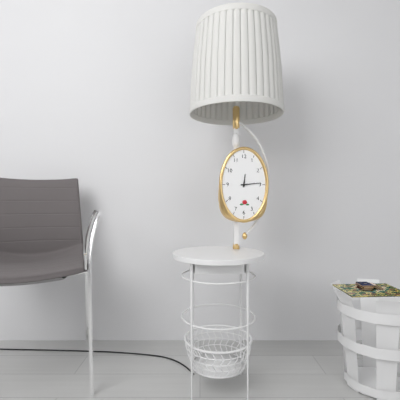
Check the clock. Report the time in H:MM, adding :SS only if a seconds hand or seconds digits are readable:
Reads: 12:14
